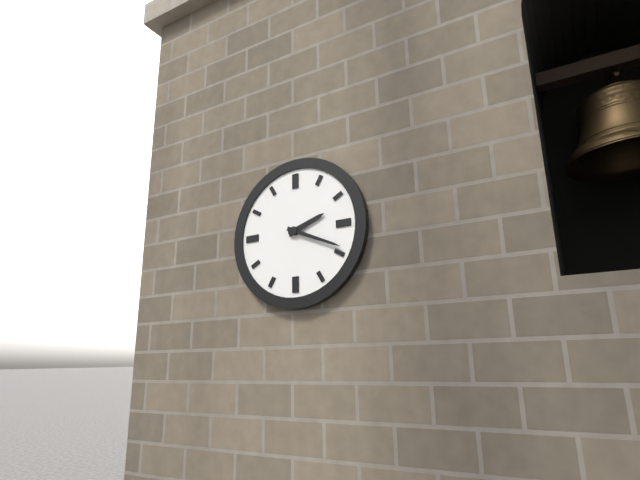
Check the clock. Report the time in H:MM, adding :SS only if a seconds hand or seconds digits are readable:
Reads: 2:19
